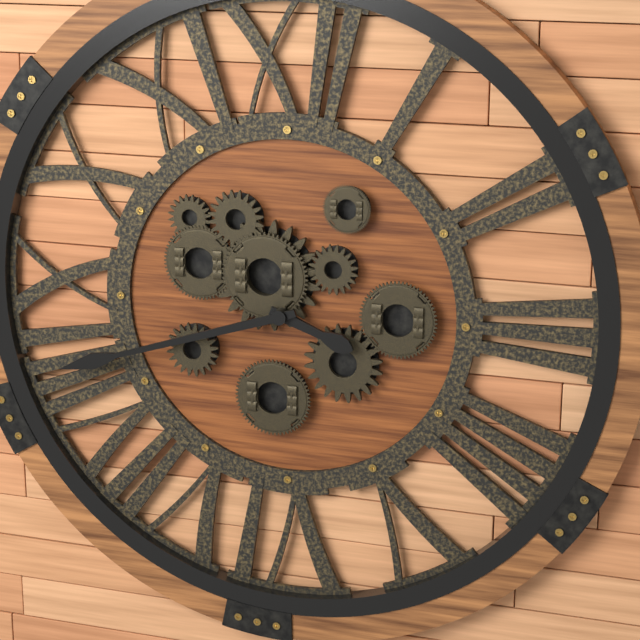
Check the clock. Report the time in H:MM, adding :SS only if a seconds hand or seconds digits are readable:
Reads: 3:42
